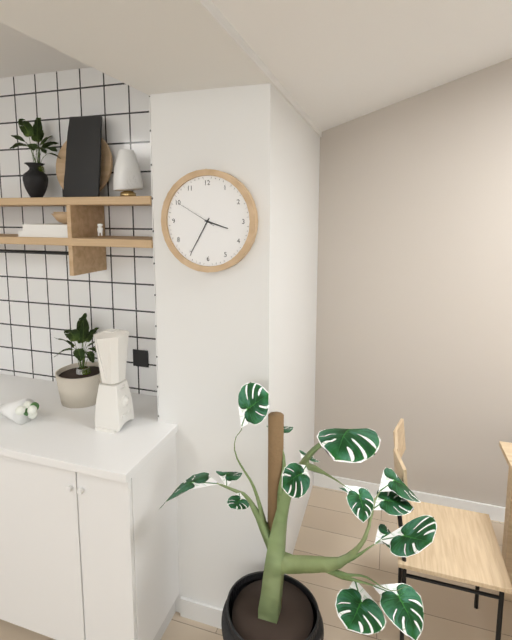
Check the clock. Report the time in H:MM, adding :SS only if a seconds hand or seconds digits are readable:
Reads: 3:35
